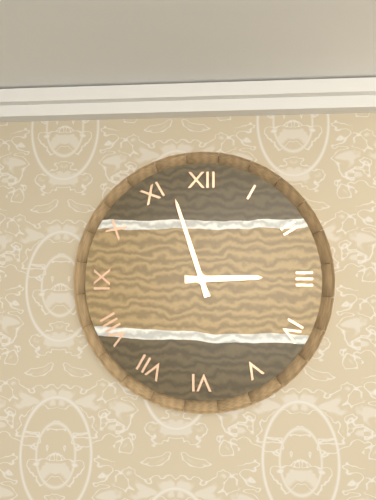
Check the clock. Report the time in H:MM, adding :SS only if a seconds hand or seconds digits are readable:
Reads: 2:57
